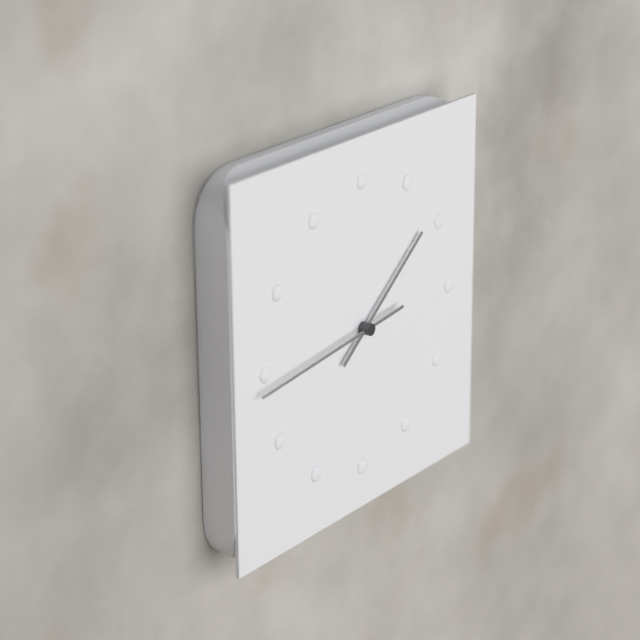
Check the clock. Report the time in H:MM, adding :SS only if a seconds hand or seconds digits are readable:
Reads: 1:44
